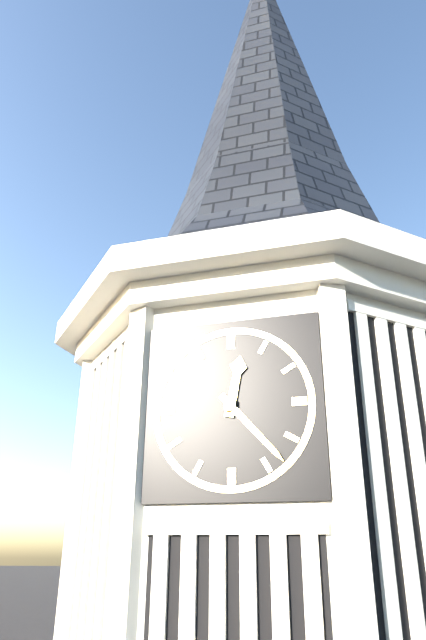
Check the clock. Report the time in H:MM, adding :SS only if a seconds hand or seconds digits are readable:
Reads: 12:23
